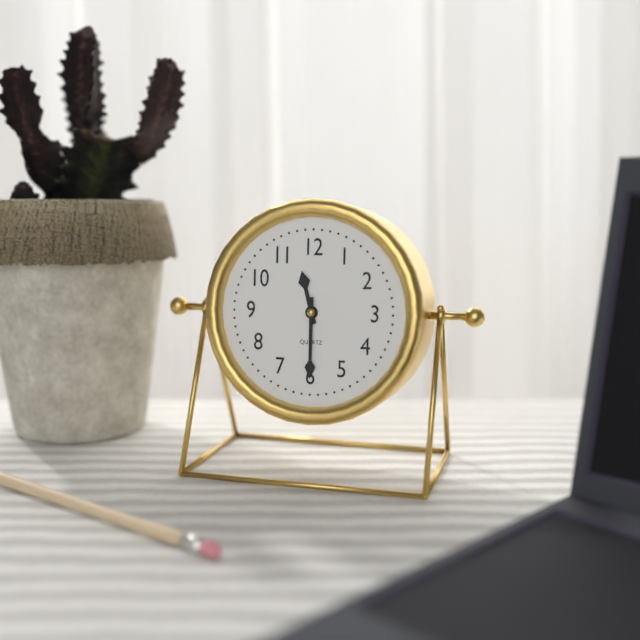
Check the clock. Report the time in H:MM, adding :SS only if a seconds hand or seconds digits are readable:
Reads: 11:30
